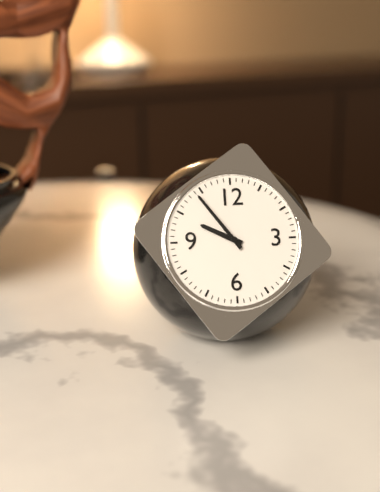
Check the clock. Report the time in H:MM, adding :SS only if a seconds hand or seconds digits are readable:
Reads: 9:54
